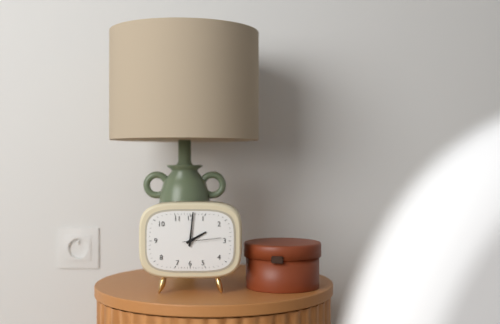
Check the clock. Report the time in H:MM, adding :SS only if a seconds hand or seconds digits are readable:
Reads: 2:01
